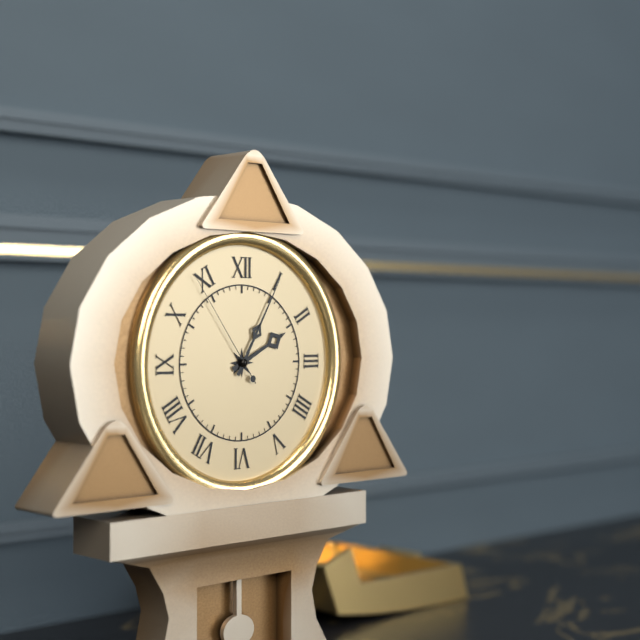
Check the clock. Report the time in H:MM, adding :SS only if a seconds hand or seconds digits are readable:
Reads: 2:05:54
